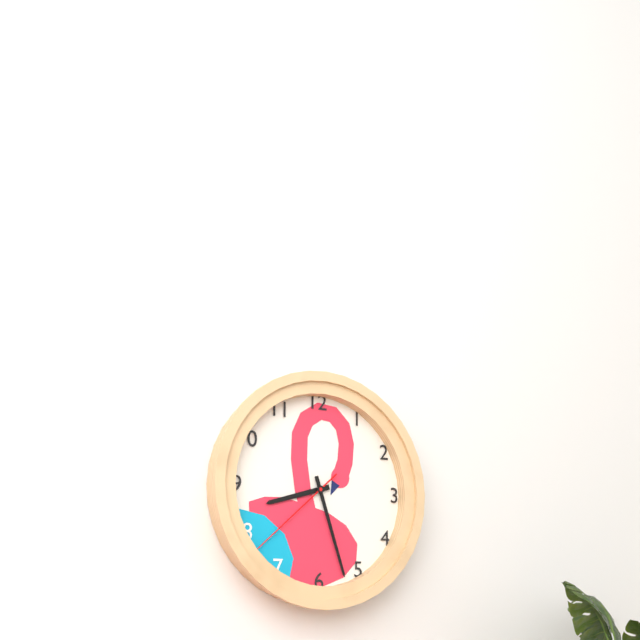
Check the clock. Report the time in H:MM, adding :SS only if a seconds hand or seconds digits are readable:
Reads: 8:27:38
